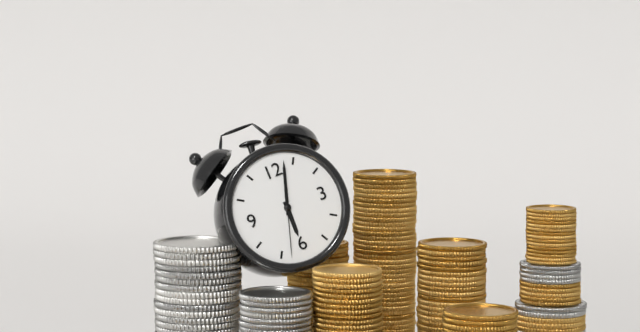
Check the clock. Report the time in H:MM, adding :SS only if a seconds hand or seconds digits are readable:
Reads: 6:03:33
